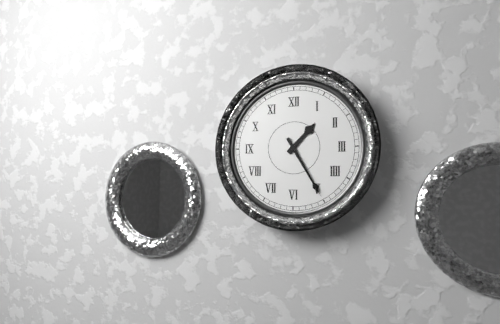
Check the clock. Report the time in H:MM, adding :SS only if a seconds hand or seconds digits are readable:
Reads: 1:25
